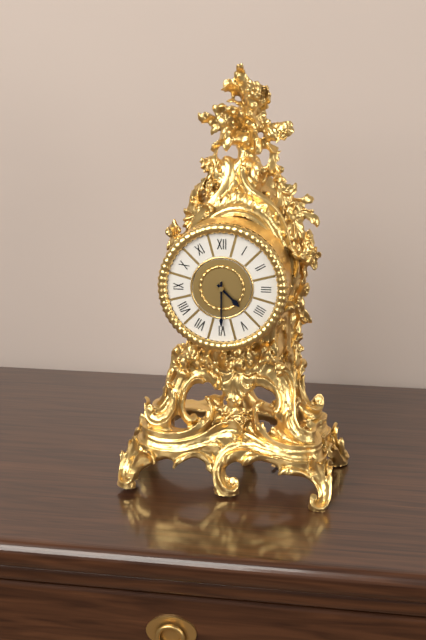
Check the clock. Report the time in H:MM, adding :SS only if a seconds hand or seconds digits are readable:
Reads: 4:30
